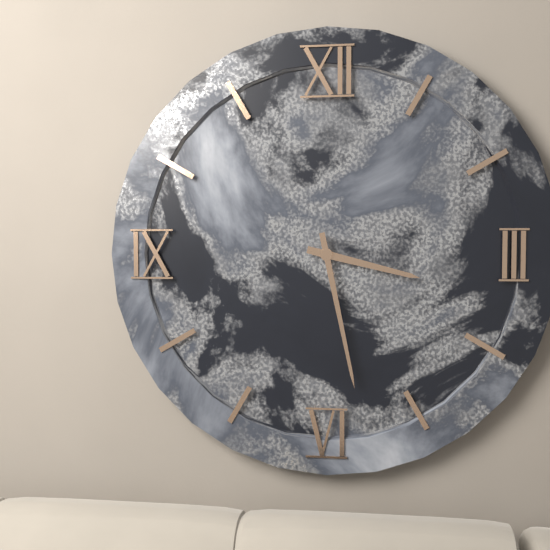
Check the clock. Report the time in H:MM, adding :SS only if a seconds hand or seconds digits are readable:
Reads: 3:28
